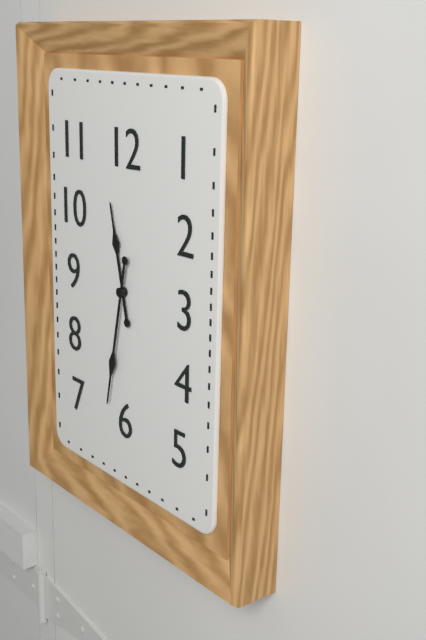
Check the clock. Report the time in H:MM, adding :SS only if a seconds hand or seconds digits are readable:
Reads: 11:32
